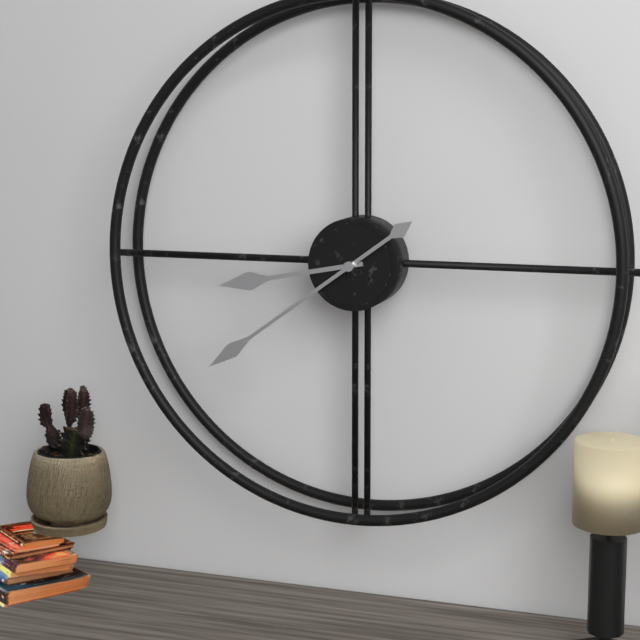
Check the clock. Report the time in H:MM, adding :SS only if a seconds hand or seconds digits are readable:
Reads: 8:39
